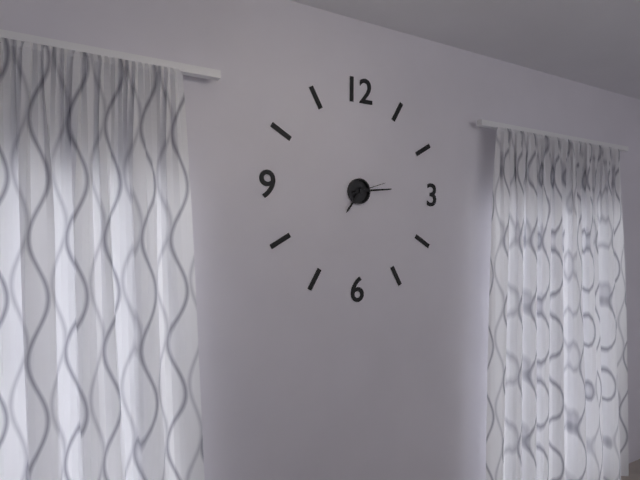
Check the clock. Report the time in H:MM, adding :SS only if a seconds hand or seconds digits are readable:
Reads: 7:14
